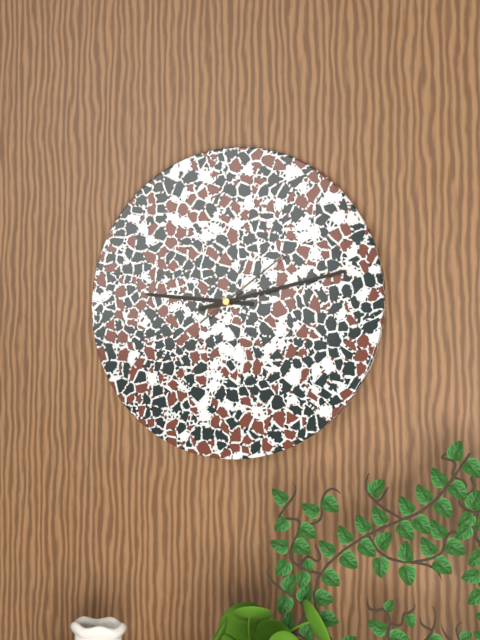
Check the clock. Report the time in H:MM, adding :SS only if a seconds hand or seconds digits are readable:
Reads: 9:13:09
